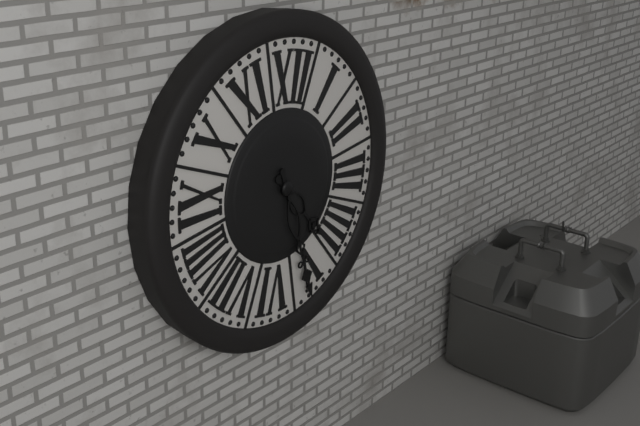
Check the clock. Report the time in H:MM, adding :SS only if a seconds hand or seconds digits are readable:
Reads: 4:26
